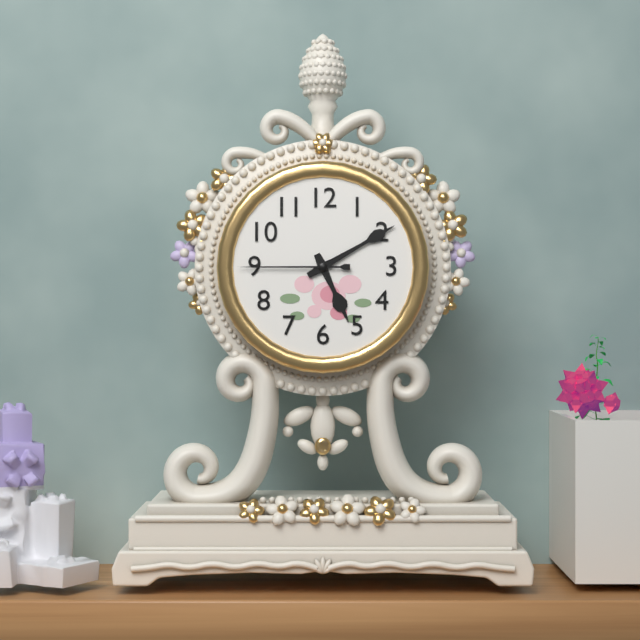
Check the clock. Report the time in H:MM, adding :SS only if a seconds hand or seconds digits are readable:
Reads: 5:10:45
